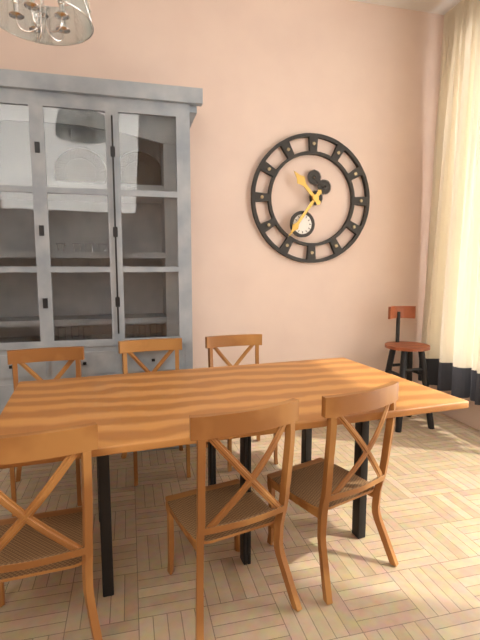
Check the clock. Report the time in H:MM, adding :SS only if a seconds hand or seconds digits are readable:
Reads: 10:36
